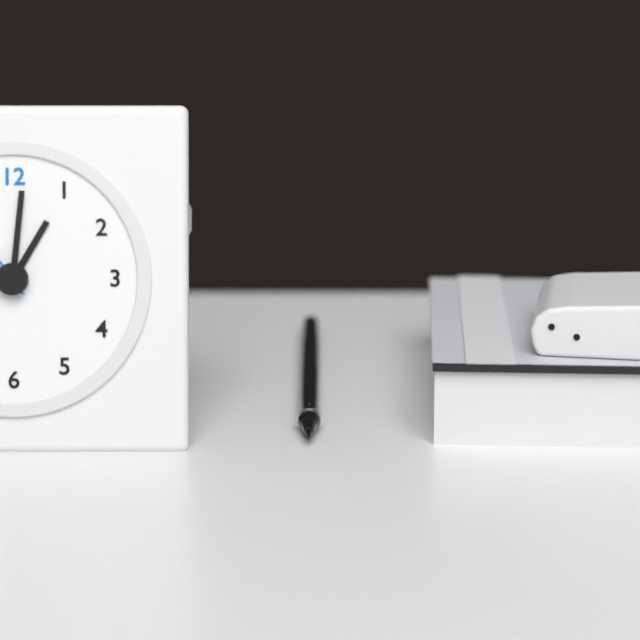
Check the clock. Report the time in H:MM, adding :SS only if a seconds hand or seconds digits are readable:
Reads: 1:01
